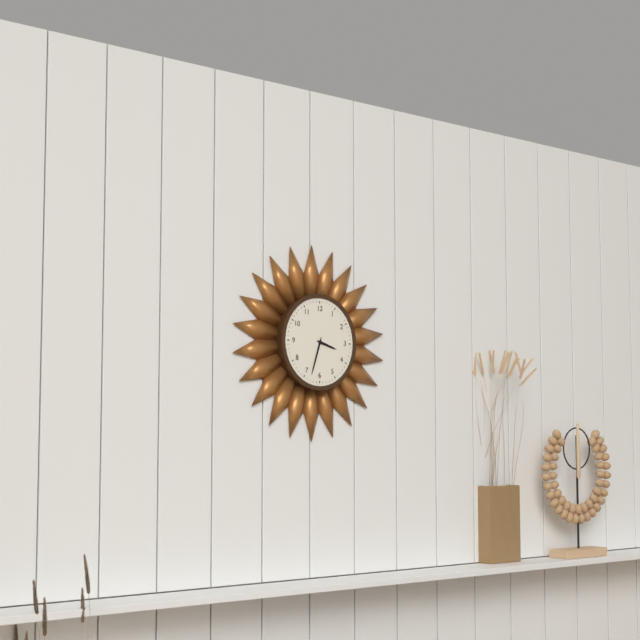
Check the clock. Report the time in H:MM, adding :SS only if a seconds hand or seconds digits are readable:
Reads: 3:33
